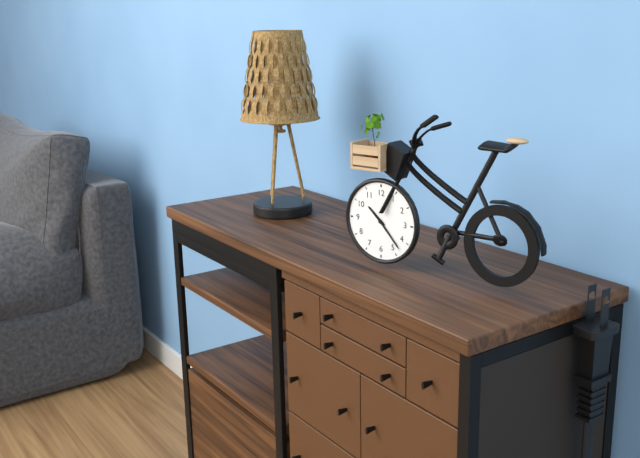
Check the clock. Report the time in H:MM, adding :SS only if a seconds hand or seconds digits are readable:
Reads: 10:23
